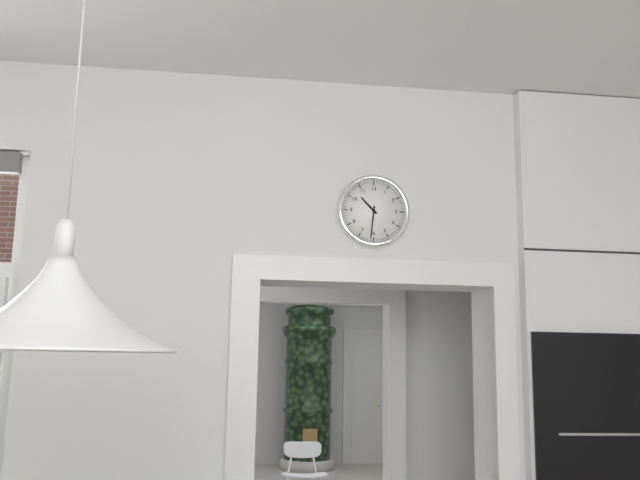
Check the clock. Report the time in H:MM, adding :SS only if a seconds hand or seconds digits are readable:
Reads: 10:31
